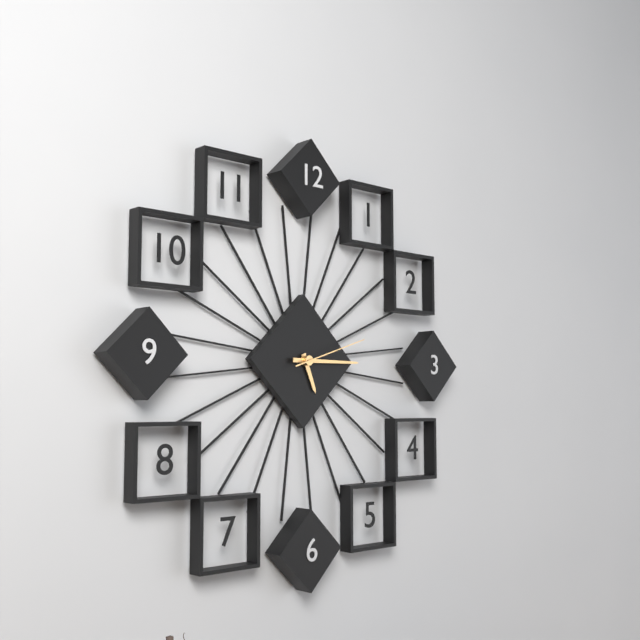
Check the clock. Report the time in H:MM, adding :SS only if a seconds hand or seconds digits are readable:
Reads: 5:15:12
